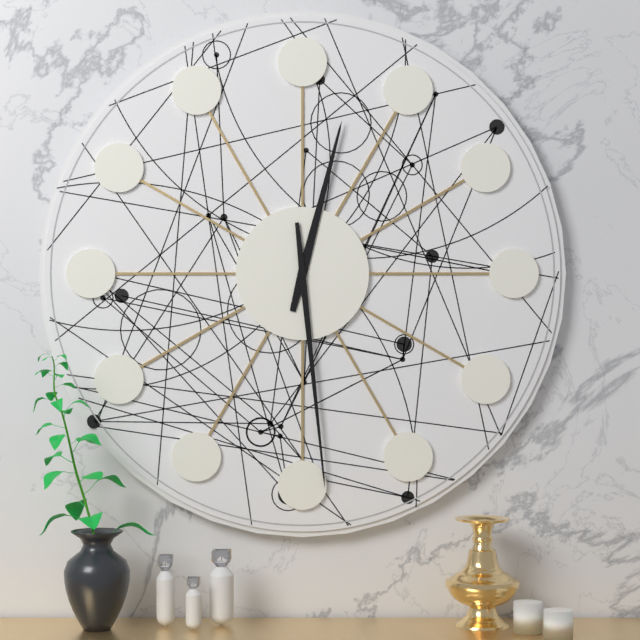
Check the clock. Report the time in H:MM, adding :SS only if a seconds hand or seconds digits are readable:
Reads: 12:29
